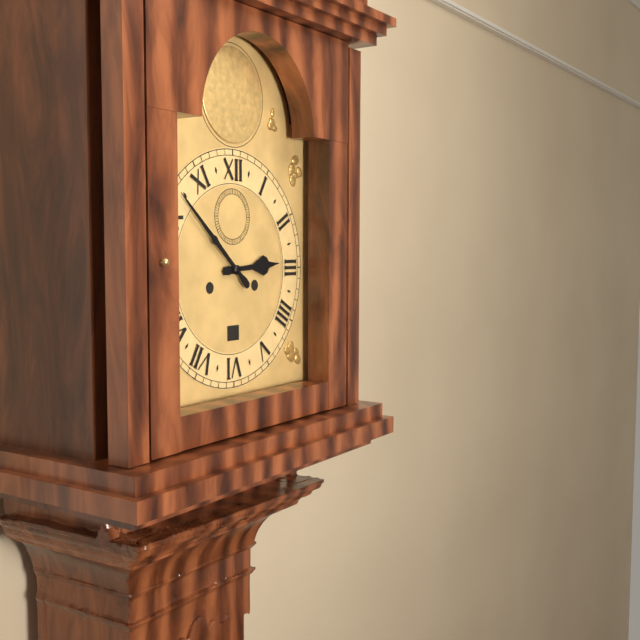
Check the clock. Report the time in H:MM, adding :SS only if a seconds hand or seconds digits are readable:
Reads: 2:52
